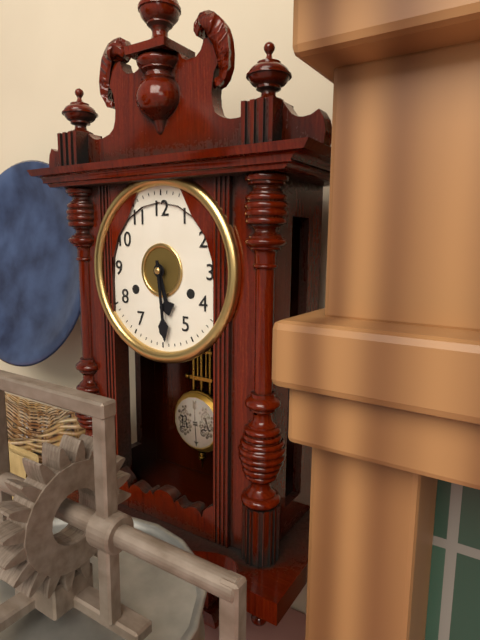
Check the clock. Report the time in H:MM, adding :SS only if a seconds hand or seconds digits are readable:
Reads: 5:29
